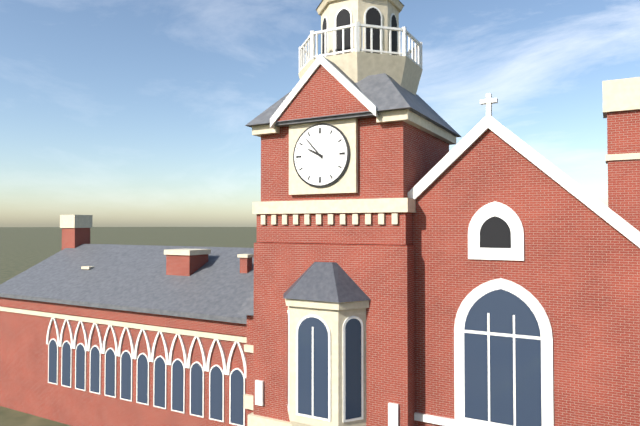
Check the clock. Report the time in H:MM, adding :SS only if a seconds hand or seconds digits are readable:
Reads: 9:53
